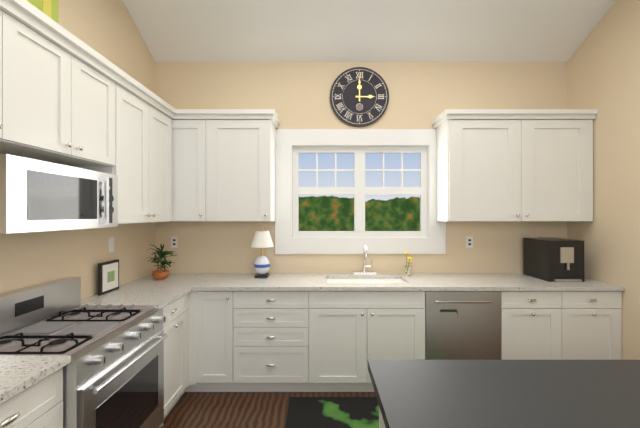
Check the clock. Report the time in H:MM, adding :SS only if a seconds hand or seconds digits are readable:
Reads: 3:00
